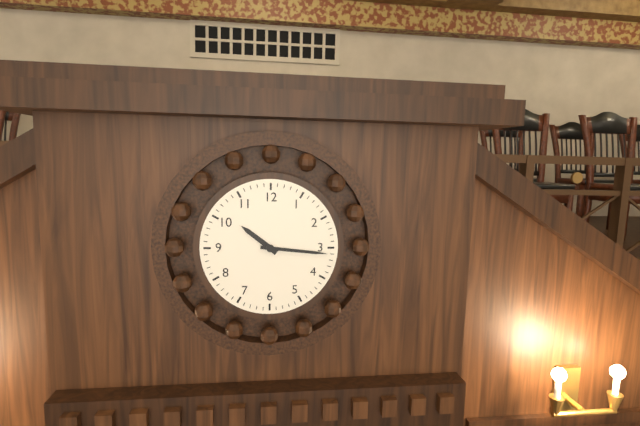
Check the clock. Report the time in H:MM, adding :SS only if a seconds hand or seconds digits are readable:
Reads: 10:16
